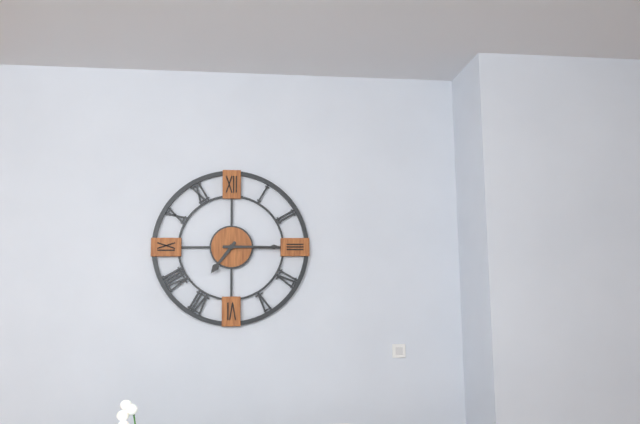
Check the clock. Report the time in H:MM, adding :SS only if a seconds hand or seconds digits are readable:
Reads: 7:15
